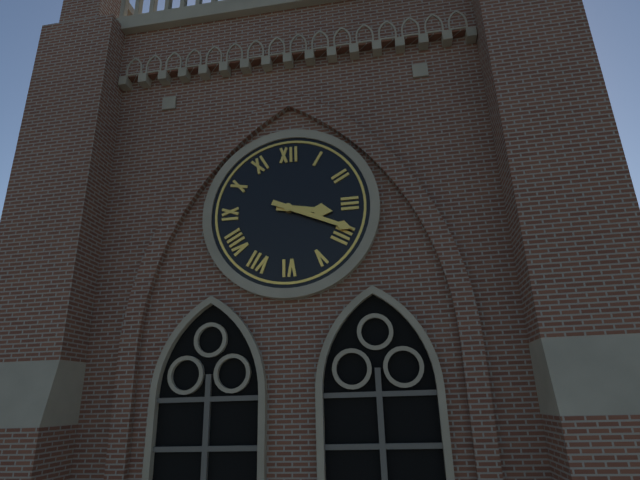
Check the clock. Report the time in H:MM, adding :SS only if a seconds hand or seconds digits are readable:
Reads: 3:19
